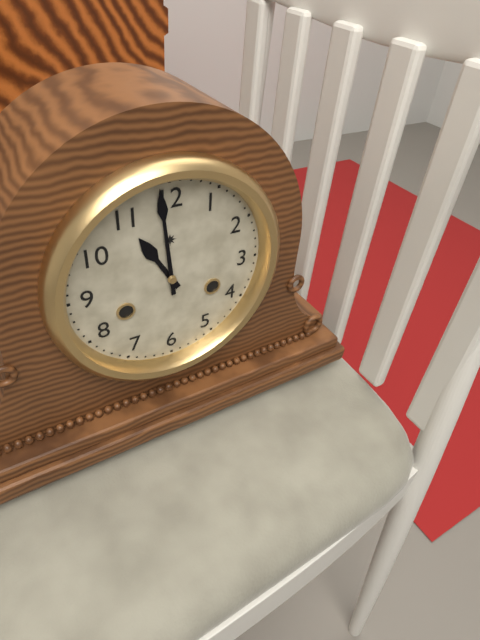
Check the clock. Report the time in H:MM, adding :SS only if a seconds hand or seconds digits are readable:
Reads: 10:59
